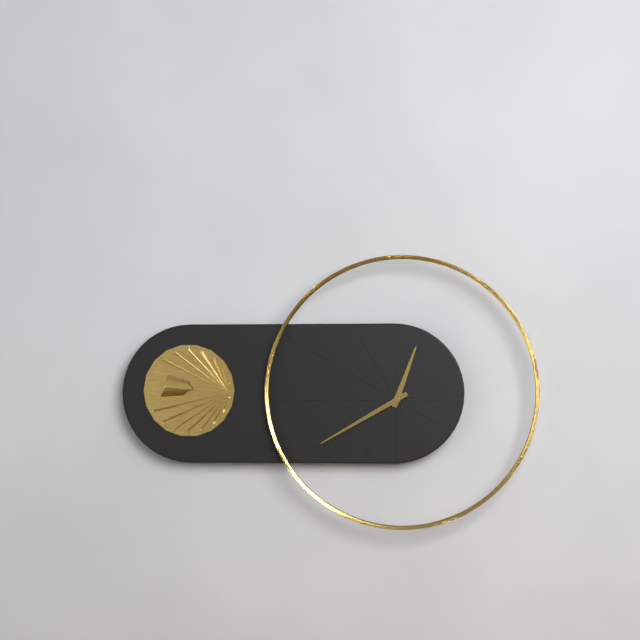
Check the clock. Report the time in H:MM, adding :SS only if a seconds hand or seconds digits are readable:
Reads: 12:40
